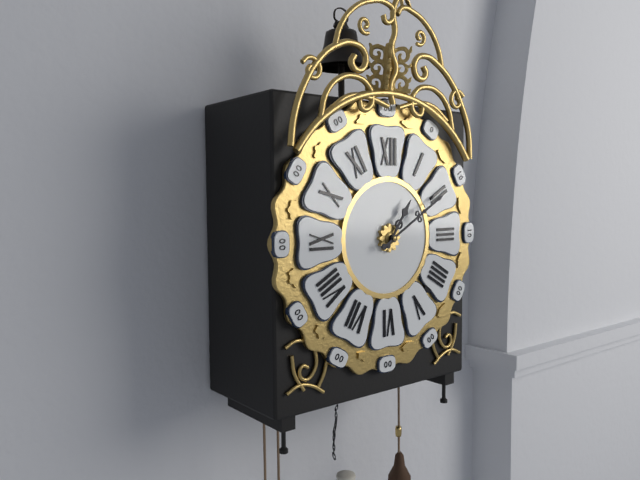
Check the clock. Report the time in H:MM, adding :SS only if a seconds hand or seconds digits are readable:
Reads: 1:10
